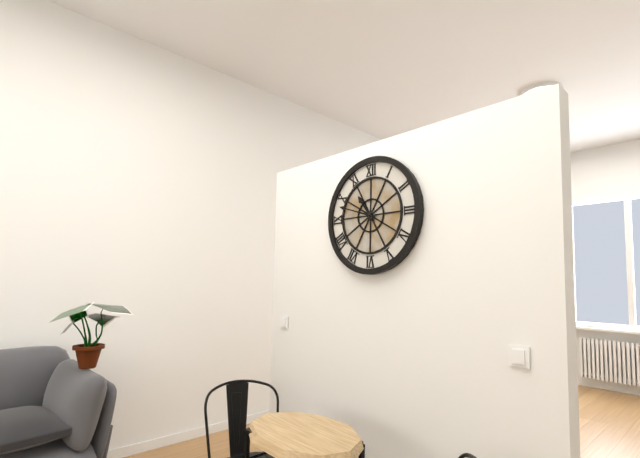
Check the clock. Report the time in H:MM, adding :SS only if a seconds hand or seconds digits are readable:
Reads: 10:48
